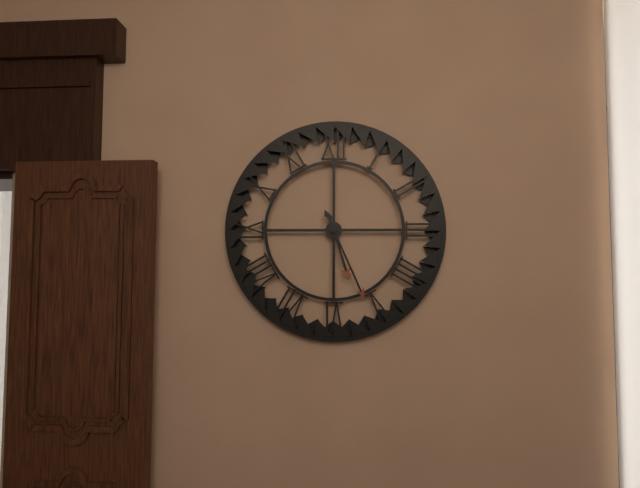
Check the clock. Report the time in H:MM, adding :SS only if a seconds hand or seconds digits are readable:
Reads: 5:26
